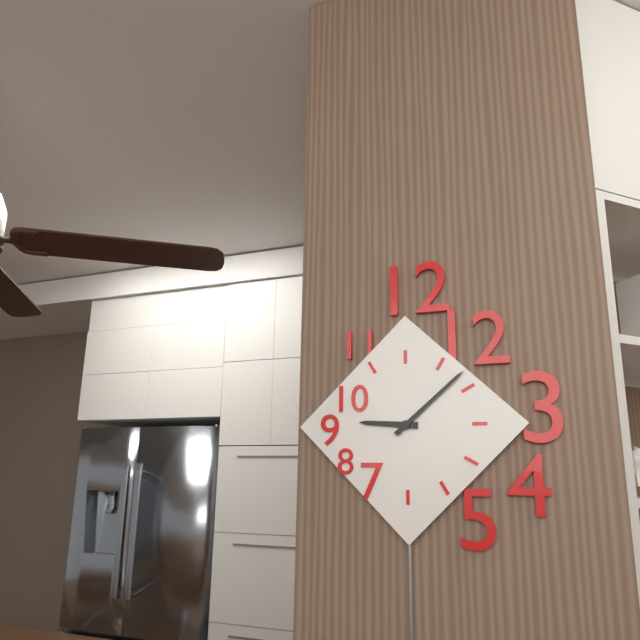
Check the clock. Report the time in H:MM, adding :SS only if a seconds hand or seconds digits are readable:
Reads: 9:08
